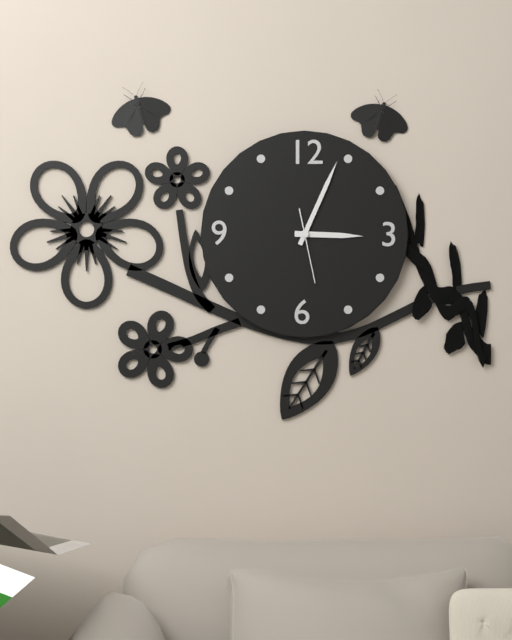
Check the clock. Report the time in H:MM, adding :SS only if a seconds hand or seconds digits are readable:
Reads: 3:04:28
